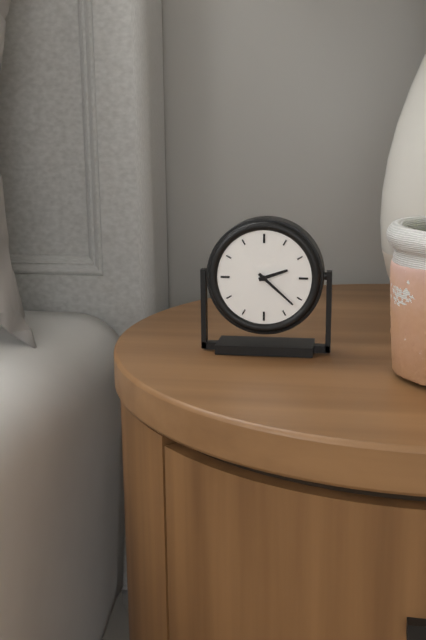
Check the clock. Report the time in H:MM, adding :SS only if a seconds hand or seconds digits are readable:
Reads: 2:22
